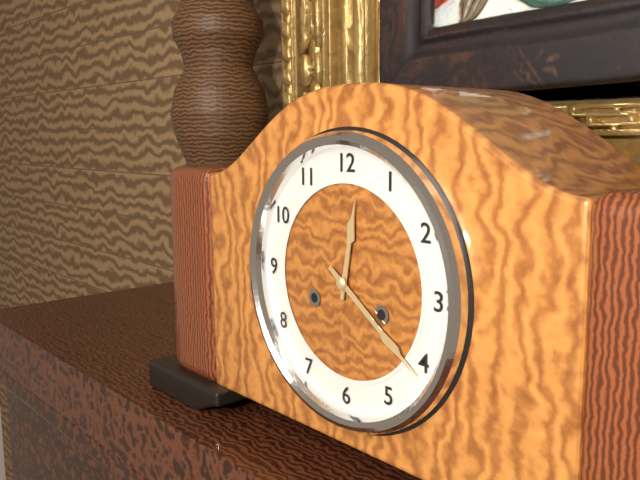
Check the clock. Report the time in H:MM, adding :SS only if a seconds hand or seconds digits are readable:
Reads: 12:21
